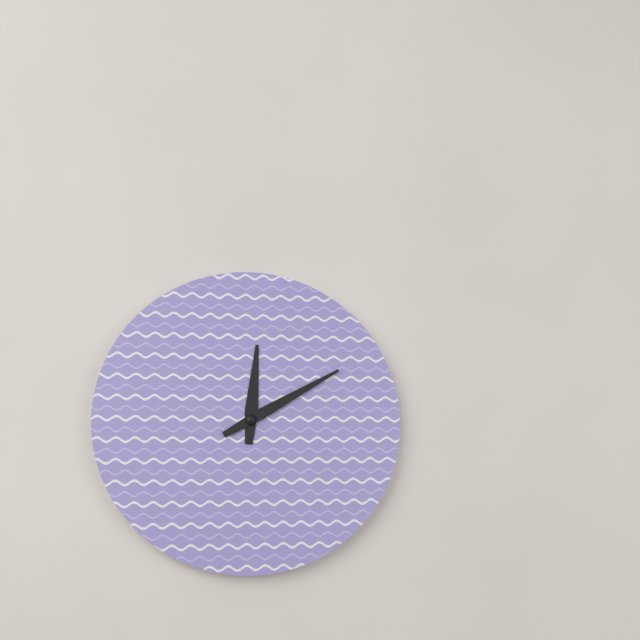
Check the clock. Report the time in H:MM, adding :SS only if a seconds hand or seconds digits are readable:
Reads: 12:10
